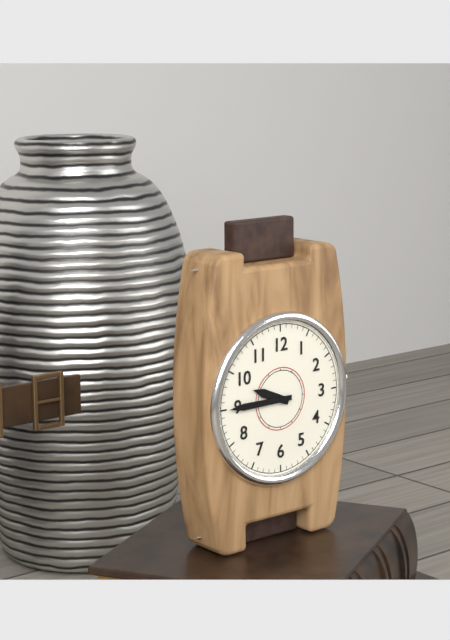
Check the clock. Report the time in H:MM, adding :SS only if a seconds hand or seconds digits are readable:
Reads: 9:45
